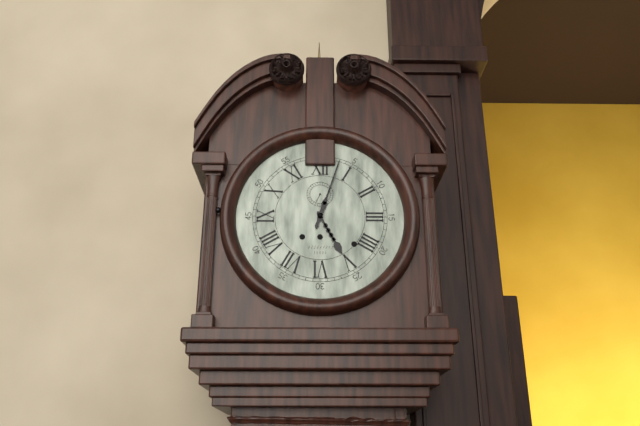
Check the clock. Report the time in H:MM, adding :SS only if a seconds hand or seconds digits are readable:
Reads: 5:03
